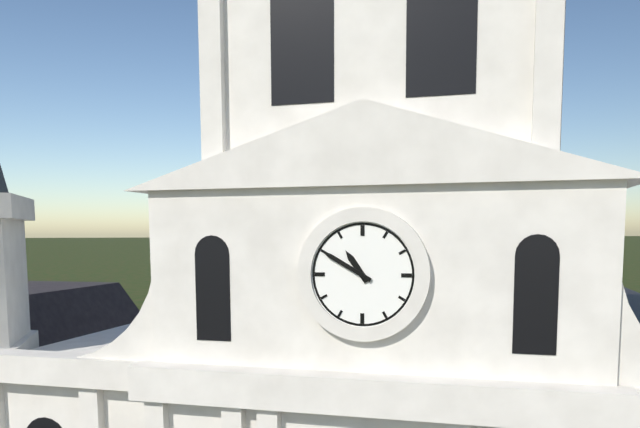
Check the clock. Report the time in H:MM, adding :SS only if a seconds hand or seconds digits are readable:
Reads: 10:50
